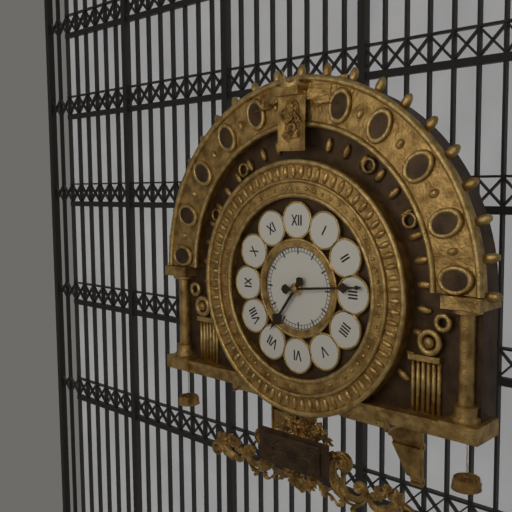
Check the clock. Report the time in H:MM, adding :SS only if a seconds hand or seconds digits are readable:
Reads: 7:14
